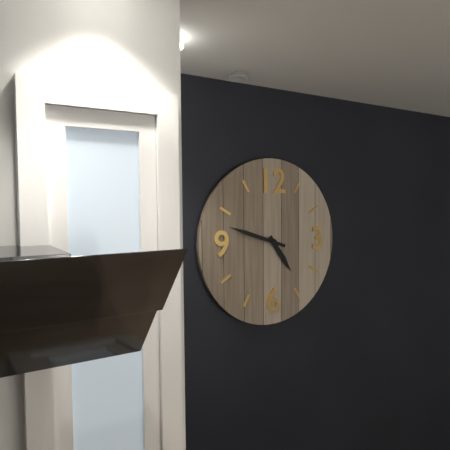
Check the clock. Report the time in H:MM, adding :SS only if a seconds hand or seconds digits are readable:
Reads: 4:48
